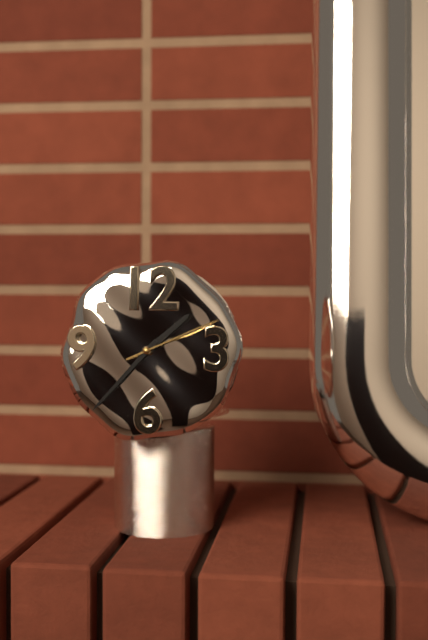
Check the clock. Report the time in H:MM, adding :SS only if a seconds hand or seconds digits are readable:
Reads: 1:37:11
